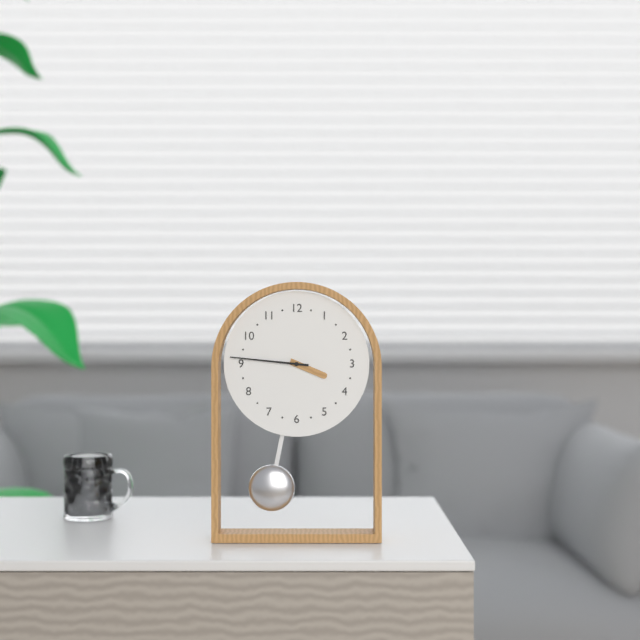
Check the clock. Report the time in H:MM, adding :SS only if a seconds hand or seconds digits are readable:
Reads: 3:46
